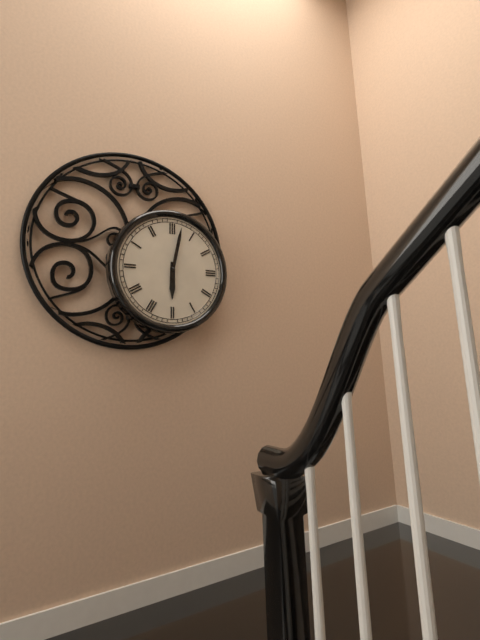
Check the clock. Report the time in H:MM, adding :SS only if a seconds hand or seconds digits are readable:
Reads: 6:02
